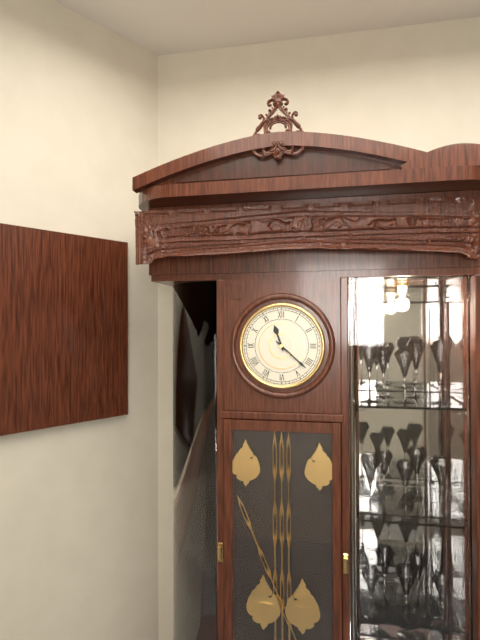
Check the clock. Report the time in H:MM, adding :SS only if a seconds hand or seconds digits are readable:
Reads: 11:22
